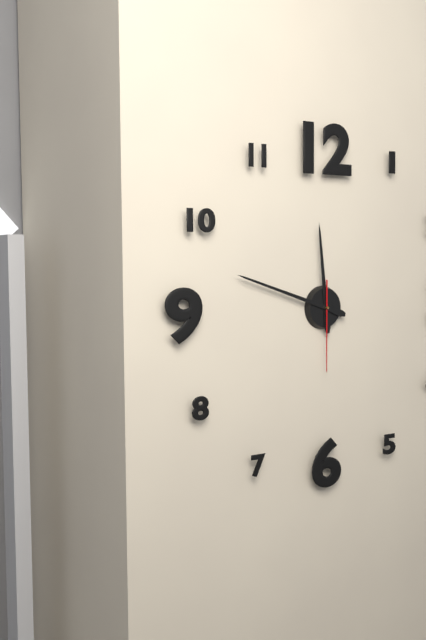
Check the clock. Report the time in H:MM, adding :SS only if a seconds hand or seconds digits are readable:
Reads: 11:48:30
